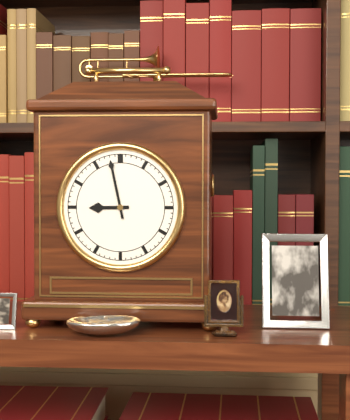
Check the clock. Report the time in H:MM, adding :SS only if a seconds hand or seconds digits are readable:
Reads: 8:58
